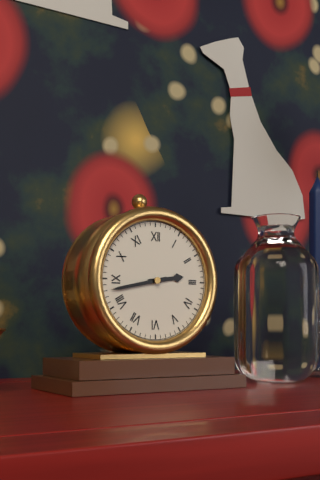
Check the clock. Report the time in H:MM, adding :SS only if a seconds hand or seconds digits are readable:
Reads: 2:43
